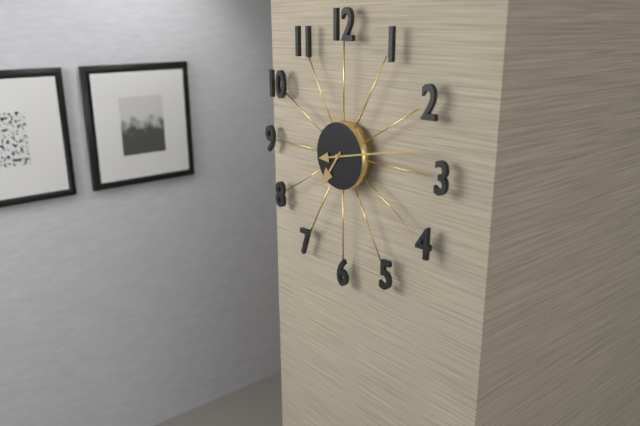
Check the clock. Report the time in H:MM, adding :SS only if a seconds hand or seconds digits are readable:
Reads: 7:13
